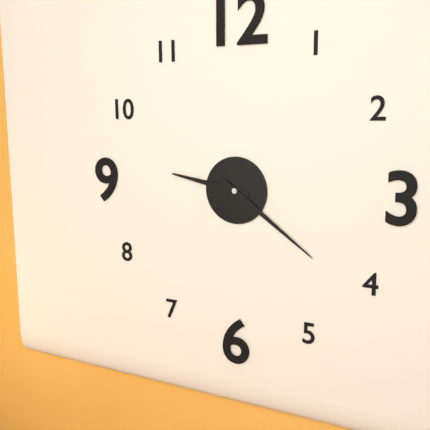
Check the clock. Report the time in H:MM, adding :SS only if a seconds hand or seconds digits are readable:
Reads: 9:21
